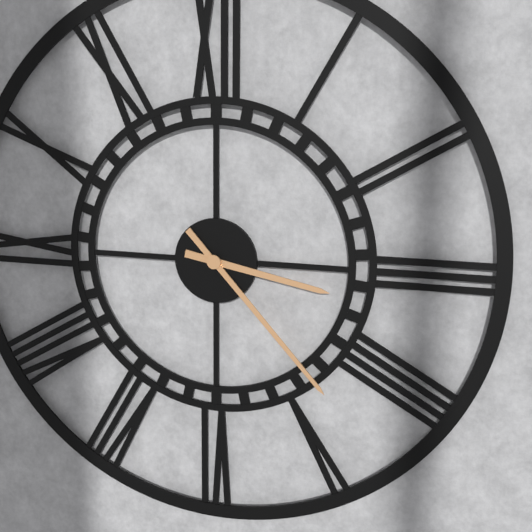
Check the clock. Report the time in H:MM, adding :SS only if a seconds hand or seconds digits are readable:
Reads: 3:23
